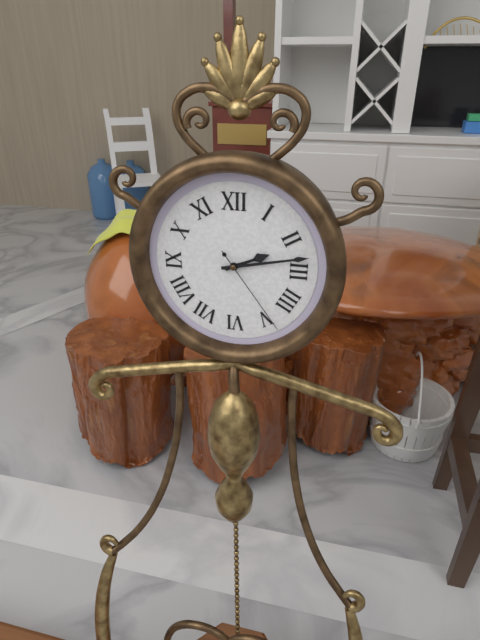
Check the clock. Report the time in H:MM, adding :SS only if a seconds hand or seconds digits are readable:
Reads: 2:13:24
